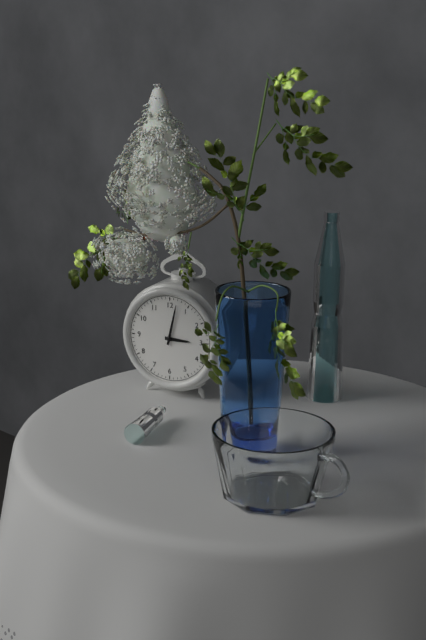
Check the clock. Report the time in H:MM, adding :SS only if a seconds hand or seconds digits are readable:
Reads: 3:02
